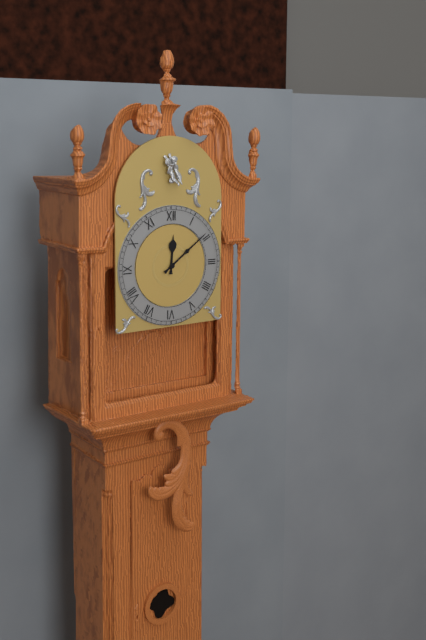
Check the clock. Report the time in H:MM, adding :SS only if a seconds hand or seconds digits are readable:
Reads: 12:09
